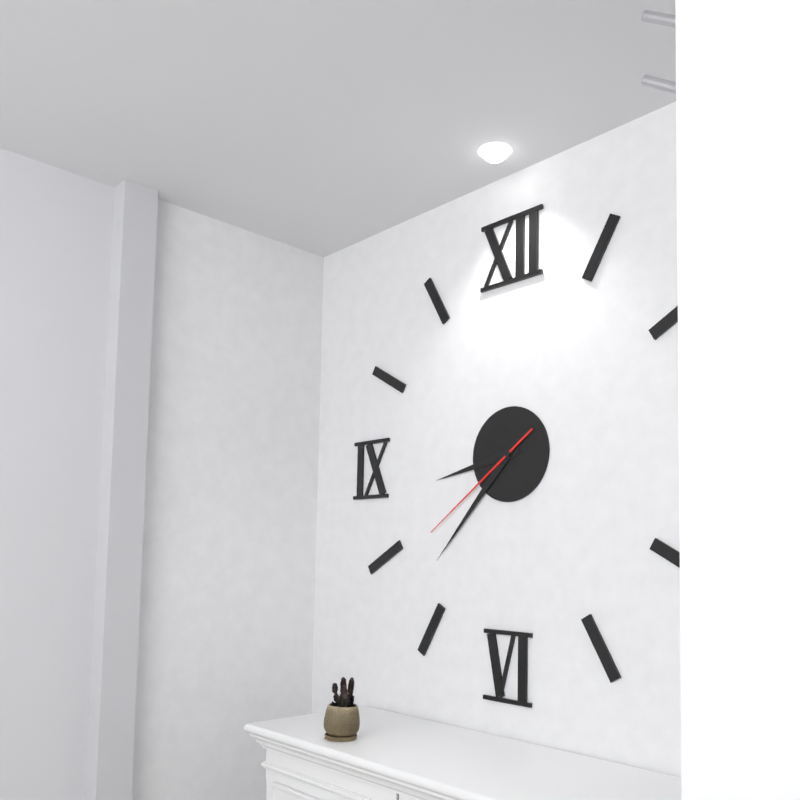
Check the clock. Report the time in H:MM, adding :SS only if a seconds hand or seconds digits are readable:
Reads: 8:37:39
